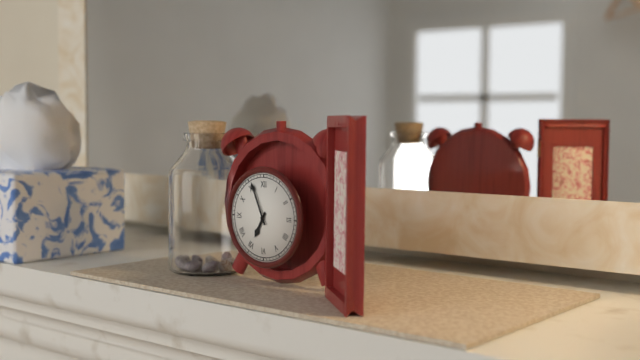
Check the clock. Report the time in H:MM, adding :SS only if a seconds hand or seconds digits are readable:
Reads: 6:56
